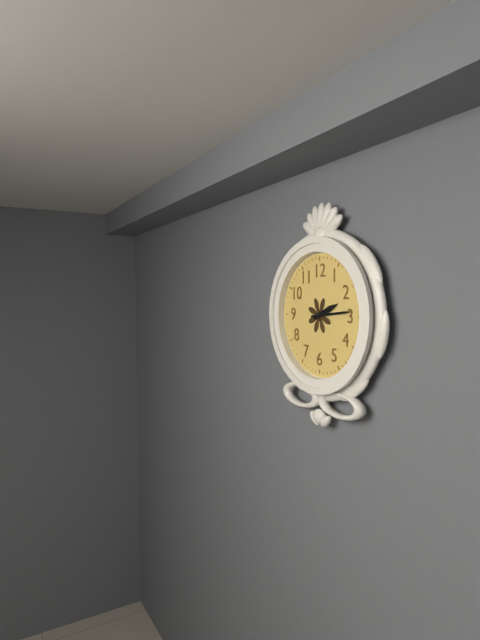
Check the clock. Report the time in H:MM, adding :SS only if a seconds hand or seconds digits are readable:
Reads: 2:14
